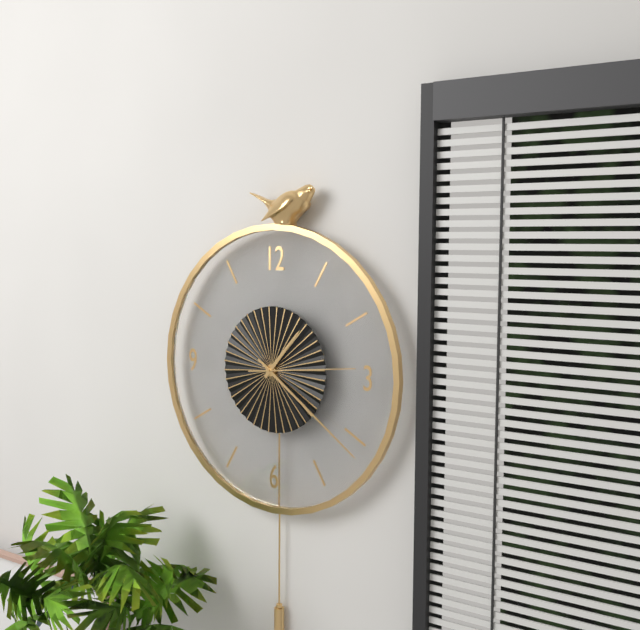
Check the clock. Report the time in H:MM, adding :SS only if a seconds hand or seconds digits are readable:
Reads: 1:21:14
